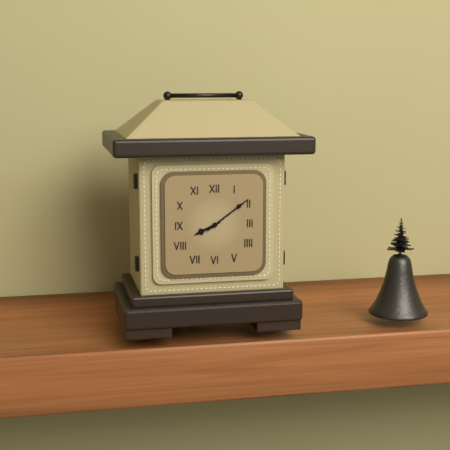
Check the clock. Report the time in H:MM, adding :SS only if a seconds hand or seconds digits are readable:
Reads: 8:09
